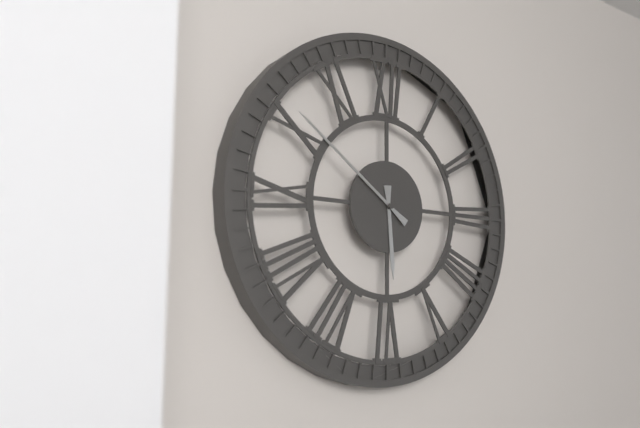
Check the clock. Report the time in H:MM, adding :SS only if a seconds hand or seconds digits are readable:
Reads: 5:51
